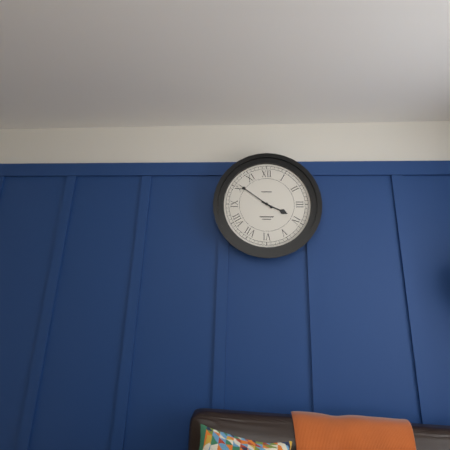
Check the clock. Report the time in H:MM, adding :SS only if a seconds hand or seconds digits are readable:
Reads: 3:51
